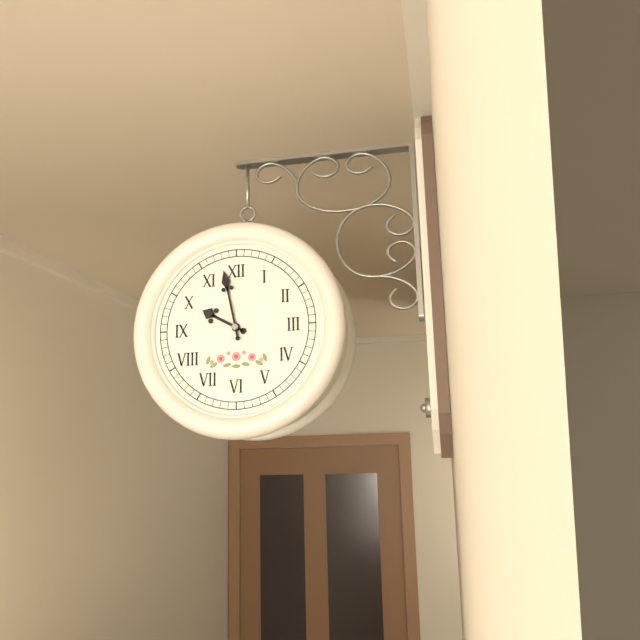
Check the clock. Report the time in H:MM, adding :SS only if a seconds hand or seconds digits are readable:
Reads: 9:58
